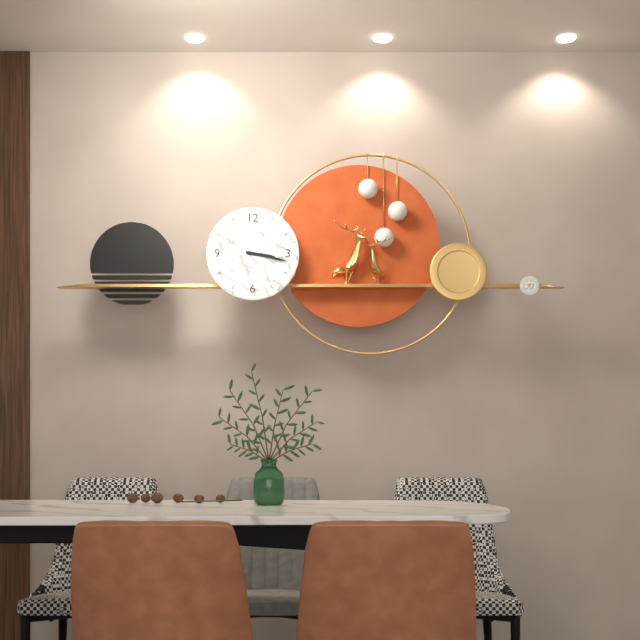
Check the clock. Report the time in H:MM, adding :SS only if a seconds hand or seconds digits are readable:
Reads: 3:17
